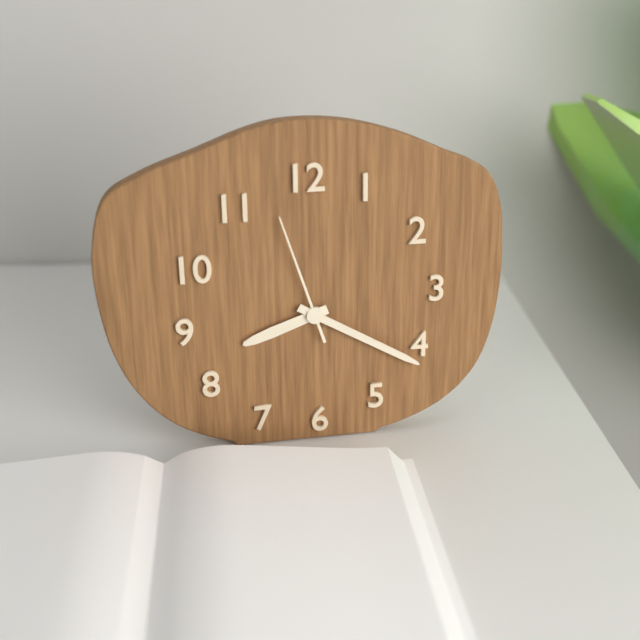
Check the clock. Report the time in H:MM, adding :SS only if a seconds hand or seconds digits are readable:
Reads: 8:20:57
